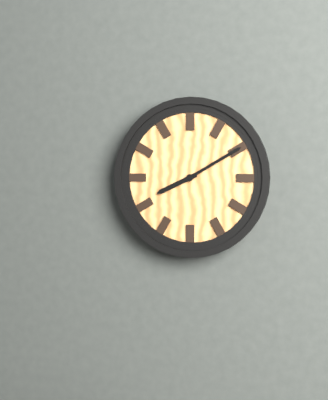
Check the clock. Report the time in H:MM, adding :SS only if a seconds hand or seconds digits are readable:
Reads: 8:10
